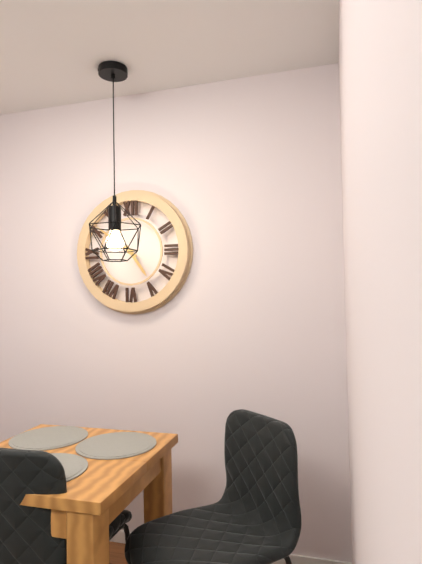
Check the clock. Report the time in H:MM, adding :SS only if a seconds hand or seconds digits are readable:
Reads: 4:51
